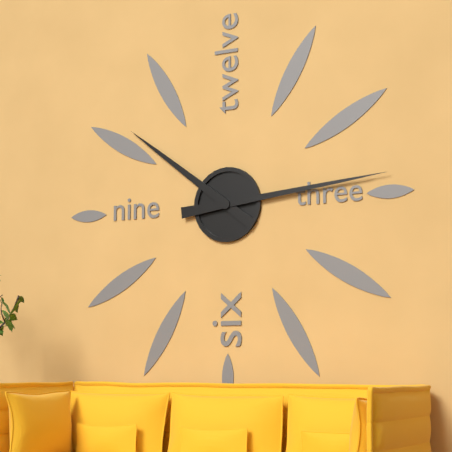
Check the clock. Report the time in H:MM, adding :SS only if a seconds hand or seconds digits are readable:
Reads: 10:14
